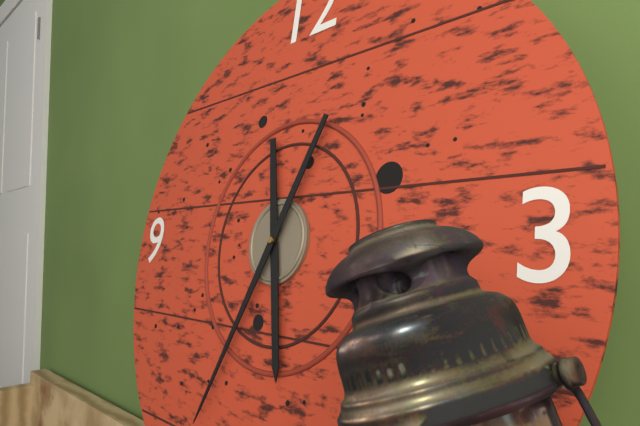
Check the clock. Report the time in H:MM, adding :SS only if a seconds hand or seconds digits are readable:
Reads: 5:34
